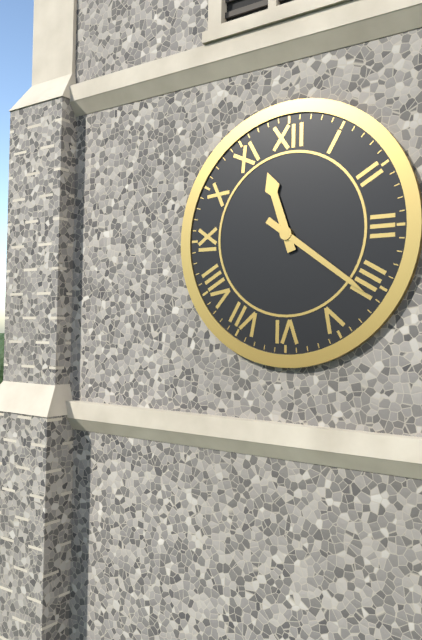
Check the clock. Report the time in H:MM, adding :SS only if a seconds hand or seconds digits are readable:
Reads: 11:21
